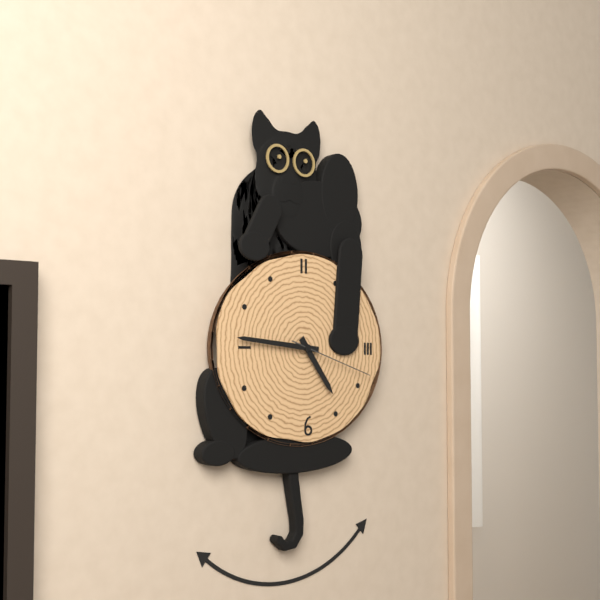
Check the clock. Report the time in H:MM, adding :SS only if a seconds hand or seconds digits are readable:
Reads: 4:46:18
